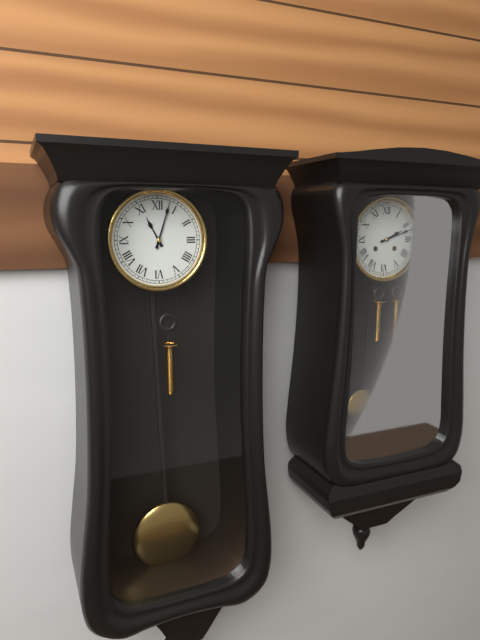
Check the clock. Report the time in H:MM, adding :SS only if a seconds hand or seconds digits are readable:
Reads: 11:03
